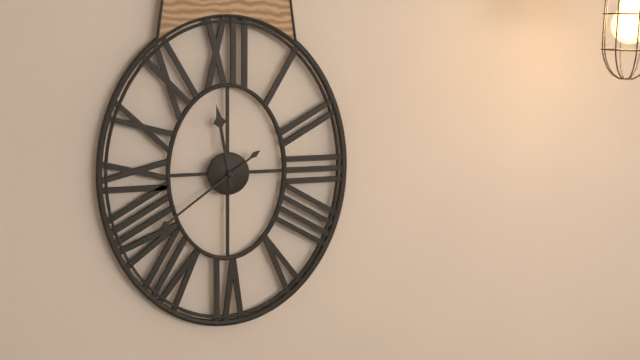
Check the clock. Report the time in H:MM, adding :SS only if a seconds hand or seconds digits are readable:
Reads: 11:39
